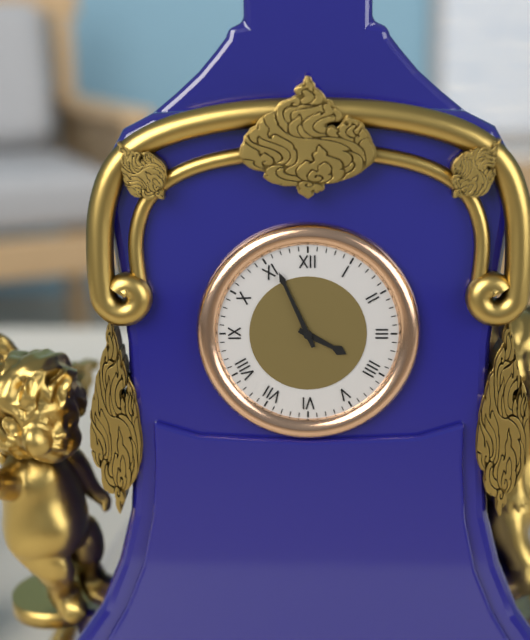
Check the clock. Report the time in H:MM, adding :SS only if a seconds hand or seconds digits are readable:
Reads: 3:56
